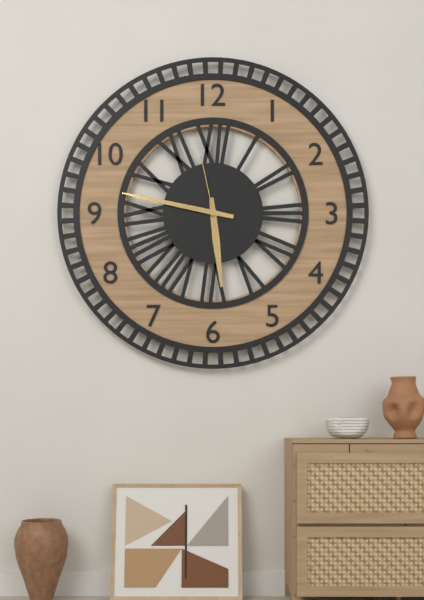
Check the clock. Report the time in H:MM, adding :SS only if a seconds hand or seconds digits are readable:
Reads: 5:47:58
